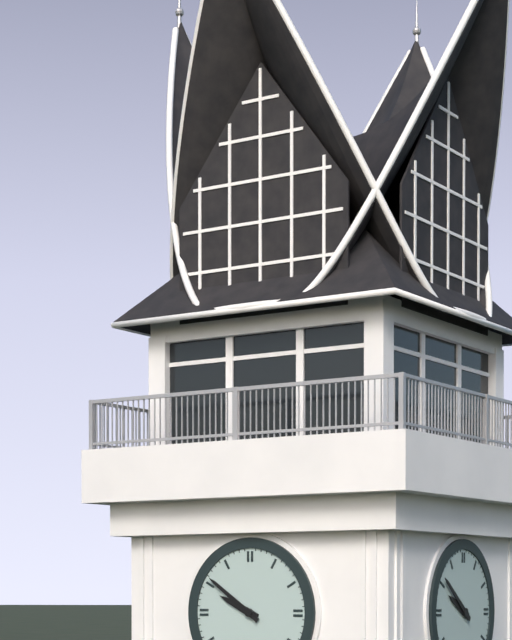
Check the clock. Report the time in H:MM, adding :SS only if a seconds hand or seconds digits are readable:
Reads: 9:51
